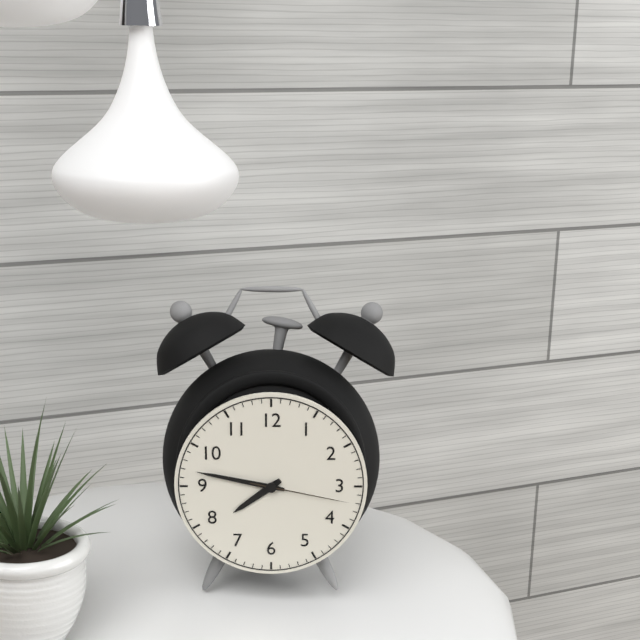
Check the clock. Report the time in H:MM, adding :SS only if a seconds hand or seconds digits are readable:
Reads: 7:47:17
